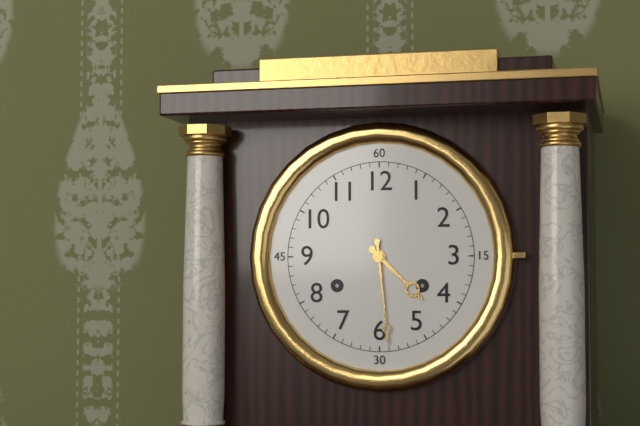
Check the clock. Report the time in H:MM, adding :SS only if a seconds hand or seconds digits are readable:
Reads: 4:29
